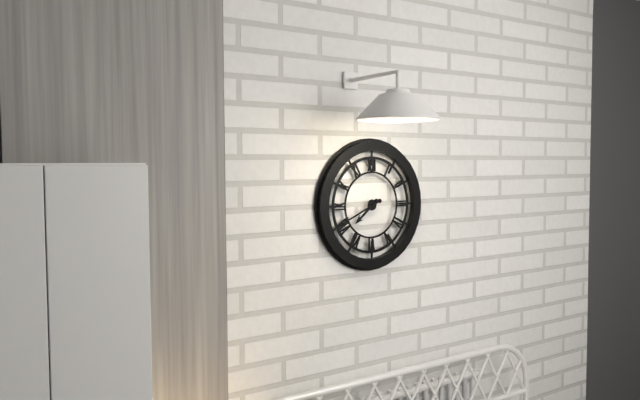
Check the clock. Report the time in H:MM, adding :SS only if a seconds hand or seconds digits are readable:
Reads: 7:41
